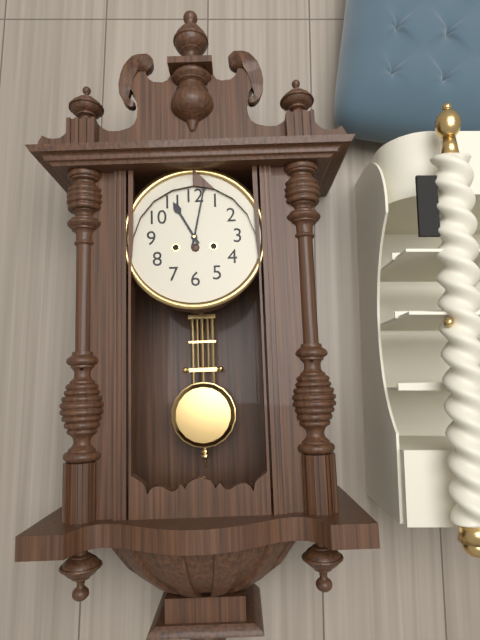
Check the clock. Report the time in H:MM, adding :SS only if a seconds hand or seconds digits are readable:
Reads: 11:02
